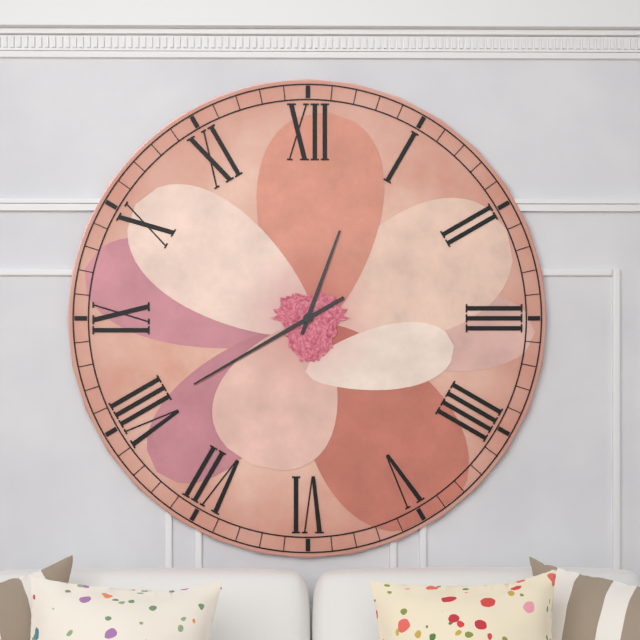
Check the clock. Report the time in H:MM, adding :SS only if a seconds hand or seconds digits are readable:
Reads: 12:40
